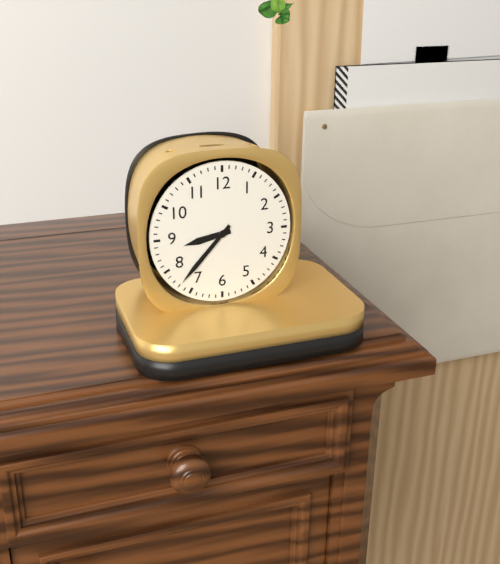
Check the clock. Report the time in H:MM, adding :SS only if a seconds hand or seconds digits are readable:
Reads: 8:37
